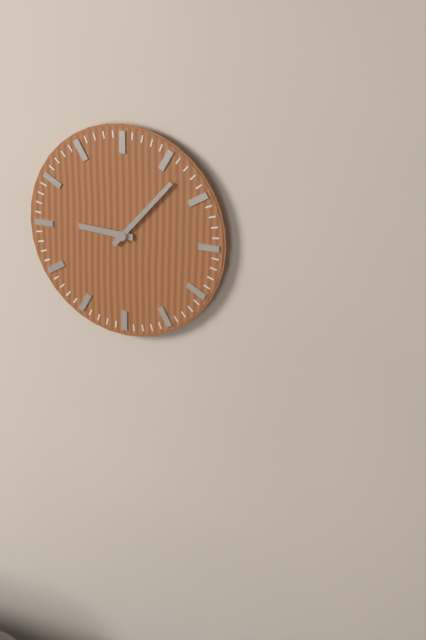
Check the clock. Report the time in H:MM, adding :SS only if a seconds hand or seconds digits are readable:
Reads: 9:07
